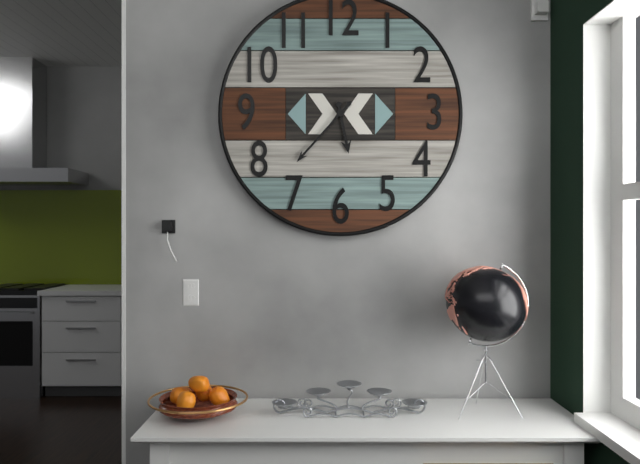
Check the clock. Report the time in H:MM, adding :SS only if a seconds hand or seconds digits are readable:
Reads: 5:37
